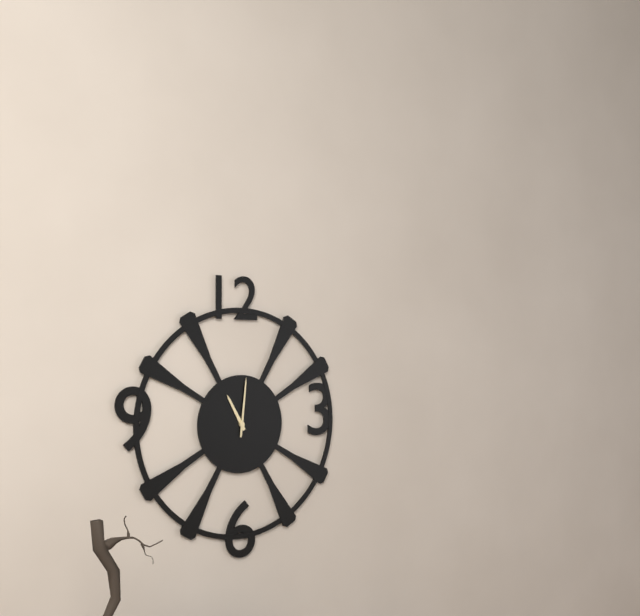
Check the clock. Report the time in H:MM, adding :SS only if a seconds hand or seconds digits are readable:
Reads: 11:01
